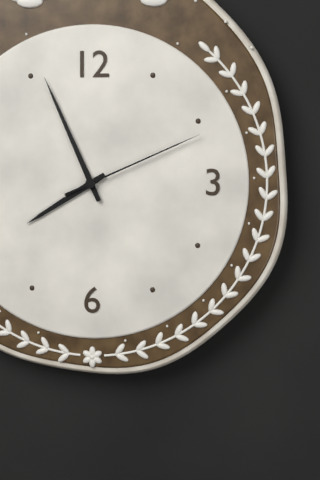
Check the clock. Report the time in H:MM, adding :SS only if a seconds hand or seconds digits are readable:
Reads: 7:56:11
